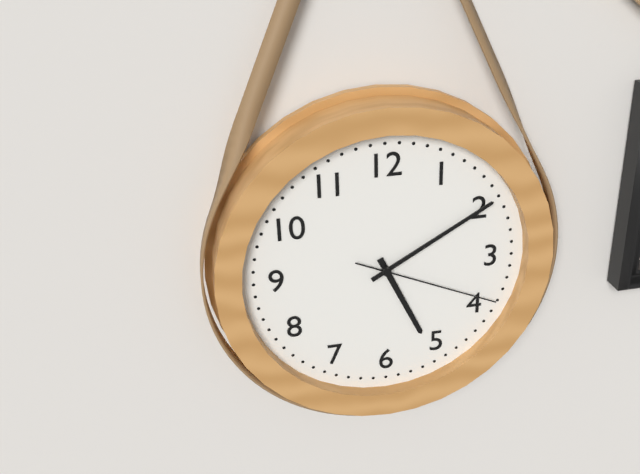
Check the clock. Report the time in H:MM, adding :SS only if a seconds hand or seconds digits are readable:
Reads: 5:10:19
